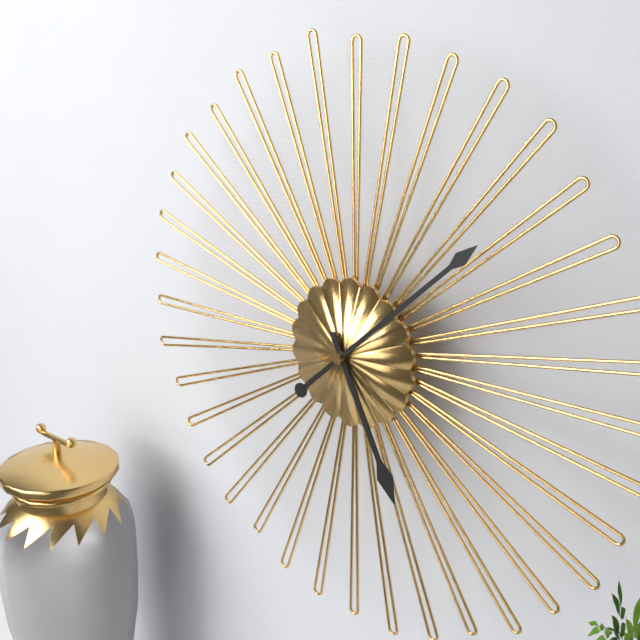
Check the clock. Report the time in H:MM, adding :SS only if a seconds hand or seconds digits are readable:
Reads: 5:08
